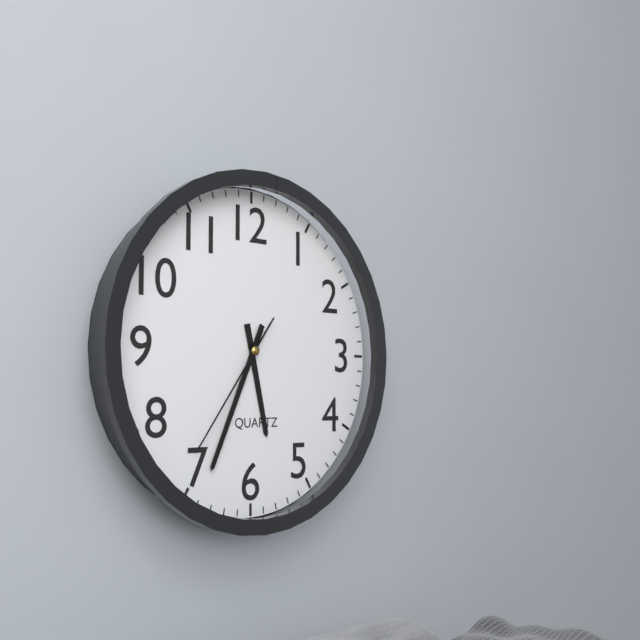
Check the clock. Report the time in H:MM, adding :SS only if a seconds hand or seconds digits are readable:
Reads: 5:34:36
